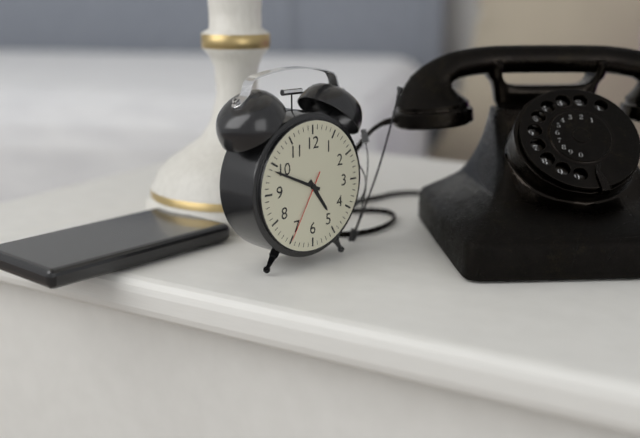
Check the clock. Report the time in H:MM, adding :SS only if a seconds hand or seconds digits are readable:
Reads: 4:49:35
